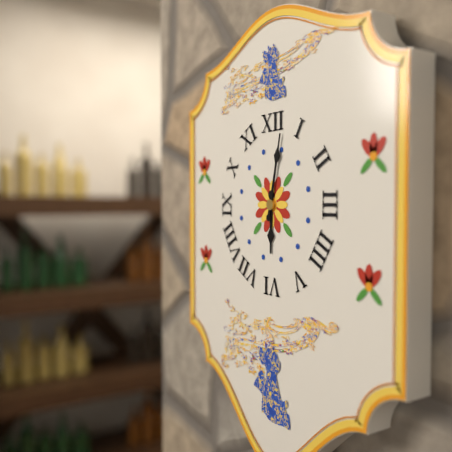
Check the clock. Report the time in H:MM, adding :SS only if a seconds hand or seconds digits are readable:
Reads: 6:02
